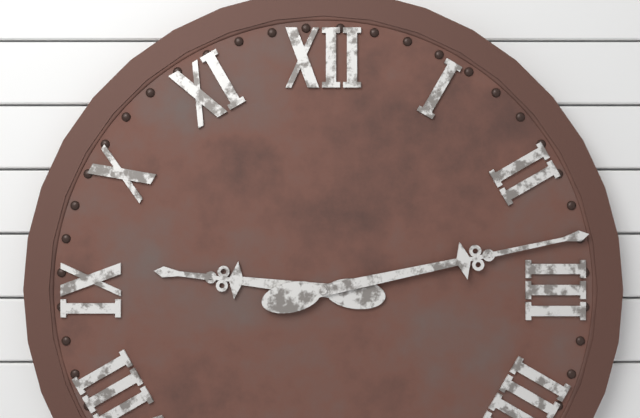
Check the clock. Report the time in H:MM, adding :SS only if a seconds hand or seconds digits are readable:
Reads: 9:13
